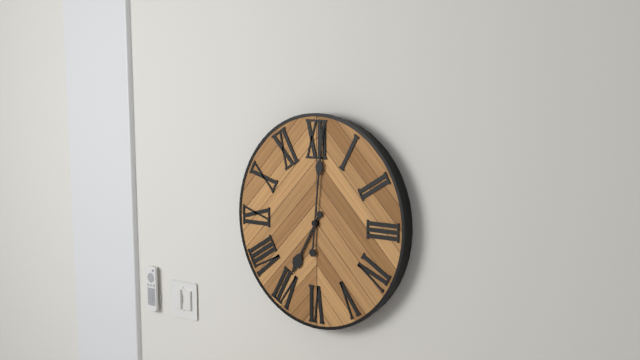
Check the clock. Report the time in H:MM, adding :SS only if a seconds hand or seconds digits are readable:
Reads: 7:01
